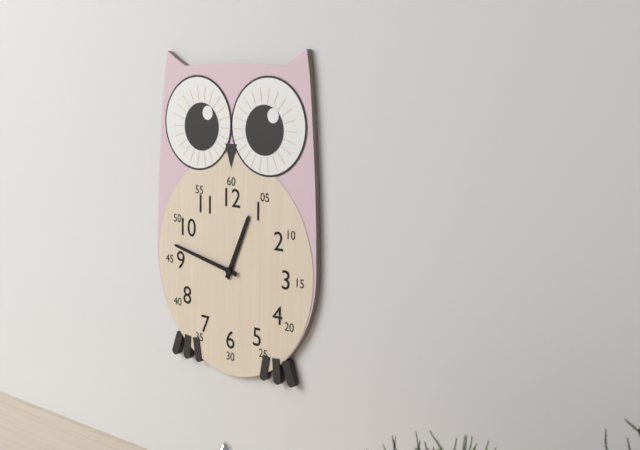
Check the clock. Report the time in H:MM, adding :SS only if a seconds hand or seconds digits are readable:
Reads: 12:47
